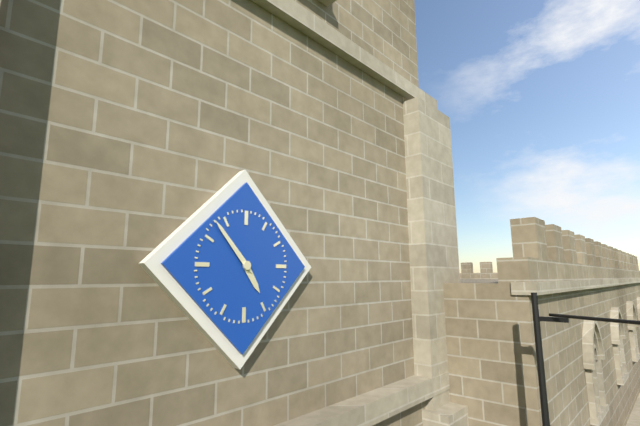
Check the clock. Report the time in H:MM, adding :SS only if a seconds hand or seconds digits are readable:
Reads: 4:53
